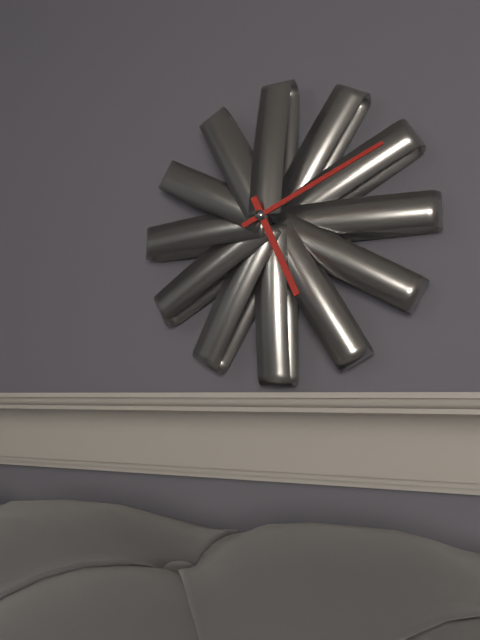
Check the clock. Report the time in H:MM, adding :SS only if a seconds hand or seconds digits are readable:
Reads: 5:11
